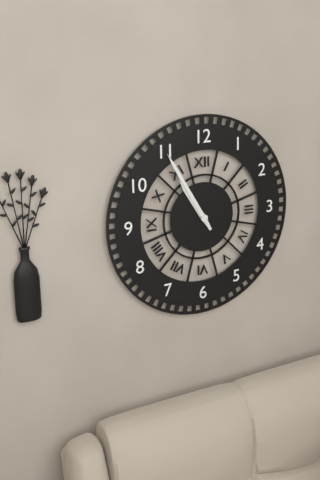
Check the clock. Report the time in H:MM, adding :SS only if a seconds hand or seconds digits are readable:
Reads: 10:55
